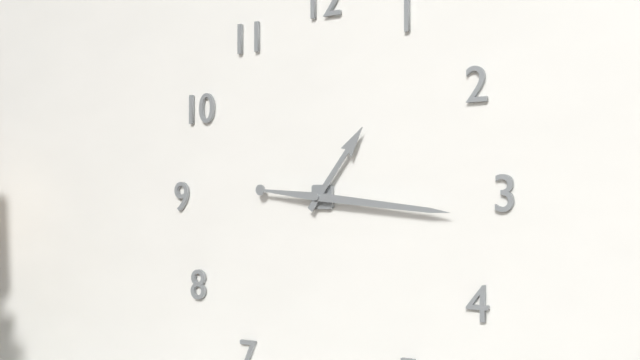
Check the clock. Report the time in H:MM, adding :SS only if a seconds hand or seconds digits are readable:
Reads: 1:16
